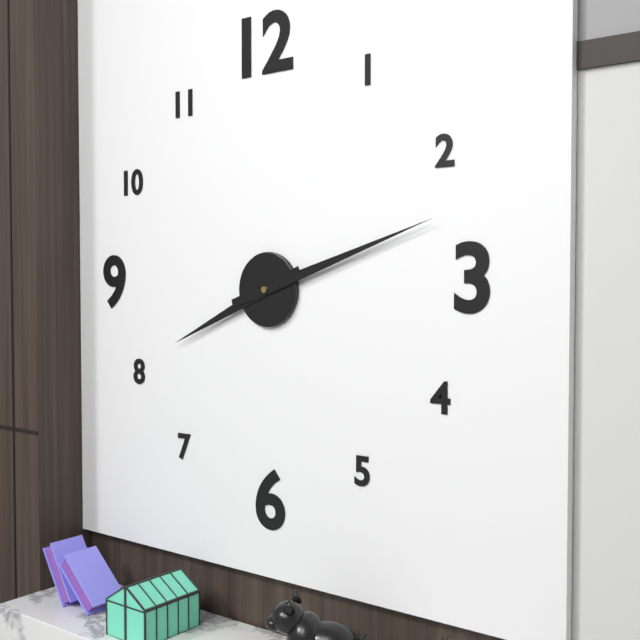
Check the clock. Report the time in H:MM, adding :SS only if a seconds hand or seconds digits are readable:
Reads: 8:12
